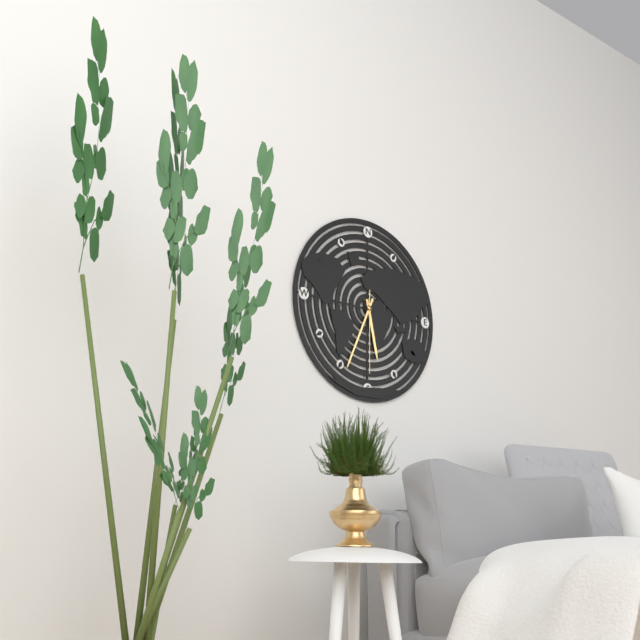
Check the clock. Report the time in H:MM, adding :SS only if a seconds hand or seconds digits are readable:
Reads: 5:34:30
